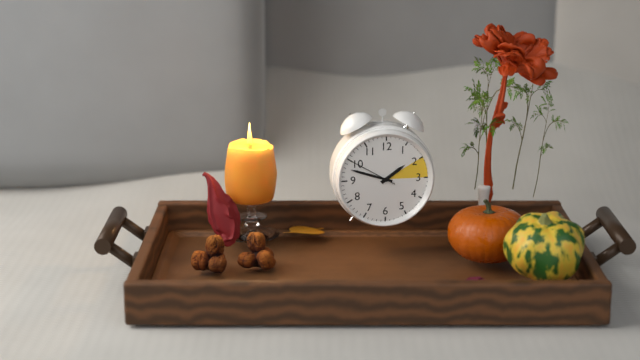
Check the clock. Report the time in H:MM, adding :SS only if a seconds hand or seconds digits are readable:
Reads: 1:48
